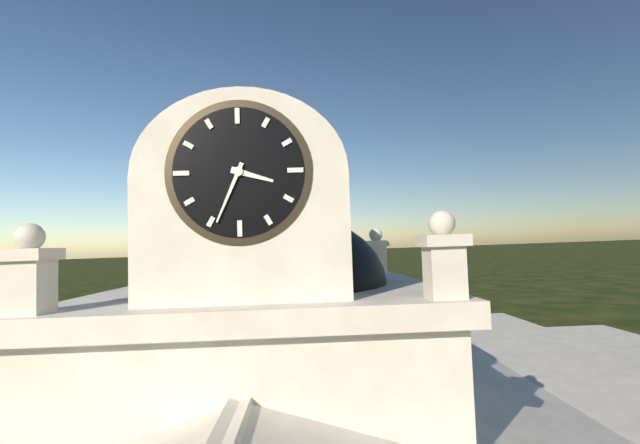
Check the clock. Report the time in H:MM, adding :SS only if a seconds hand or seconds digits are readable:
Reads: 3:34
